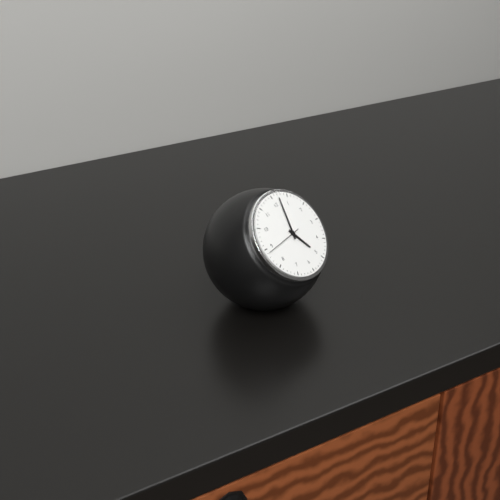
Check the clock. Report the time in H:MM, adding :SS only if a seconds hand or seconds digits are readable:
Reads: 5:02
